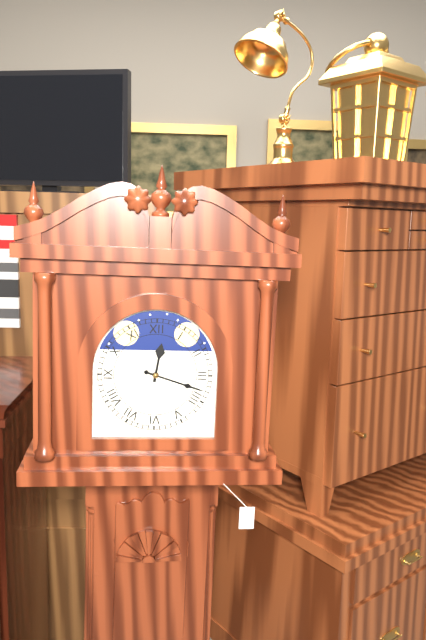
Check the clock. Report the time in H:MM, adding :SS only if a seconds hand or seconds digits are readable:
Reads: 12:18
